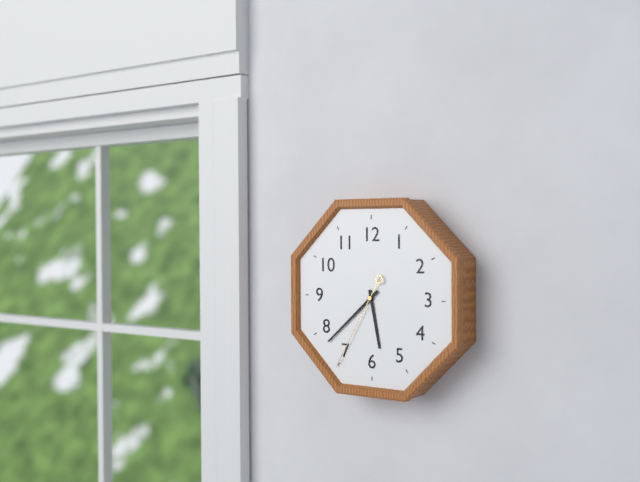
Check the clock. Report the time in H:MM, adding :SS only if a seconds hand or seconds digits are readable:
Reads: 5:38:35
